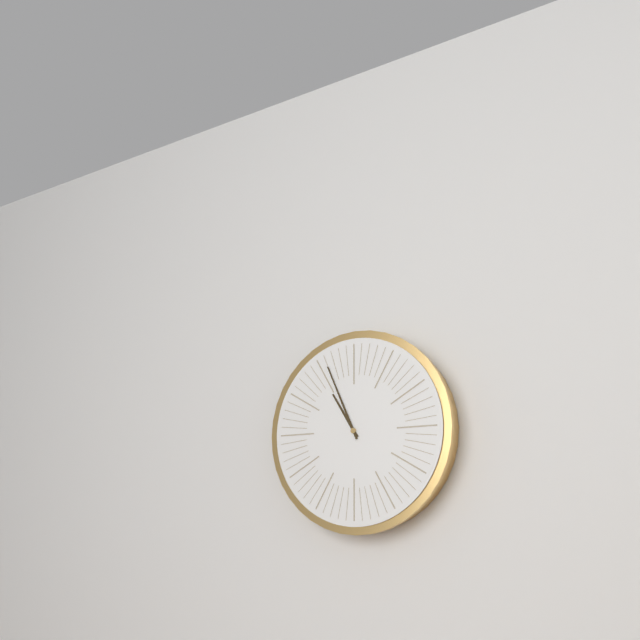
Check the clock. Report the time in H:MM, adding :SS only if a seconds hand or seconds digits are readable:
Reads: 10:56
